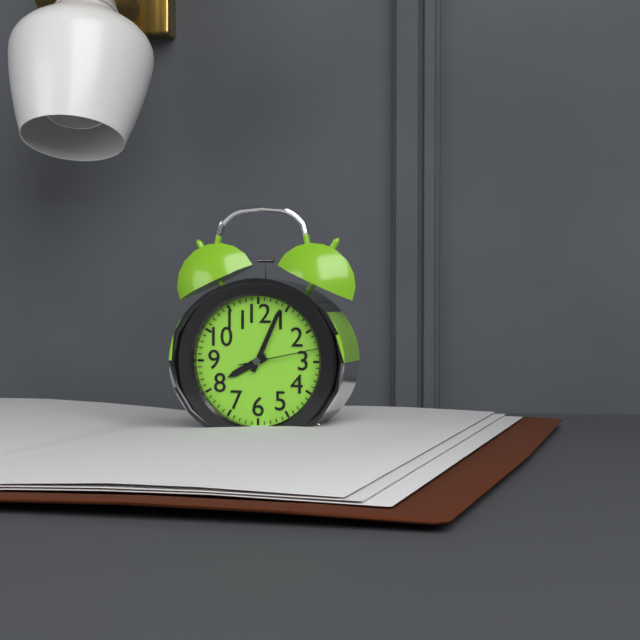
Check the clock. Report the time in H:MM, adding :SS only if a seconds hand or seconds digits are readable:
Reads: 8:04:13
